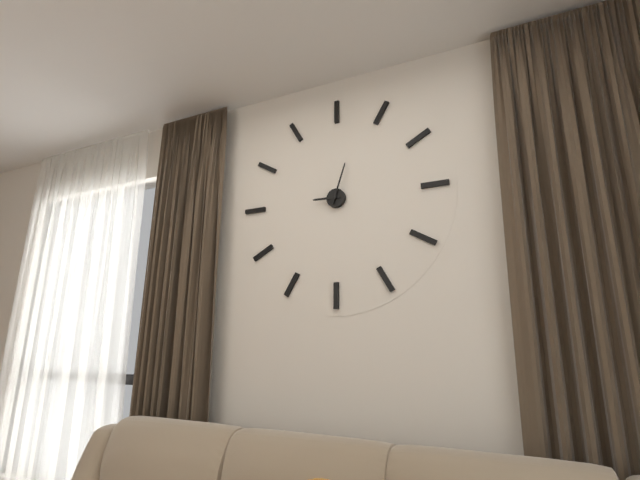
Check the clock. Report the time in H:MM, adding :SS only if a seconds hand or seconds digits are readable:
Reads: 9:03
